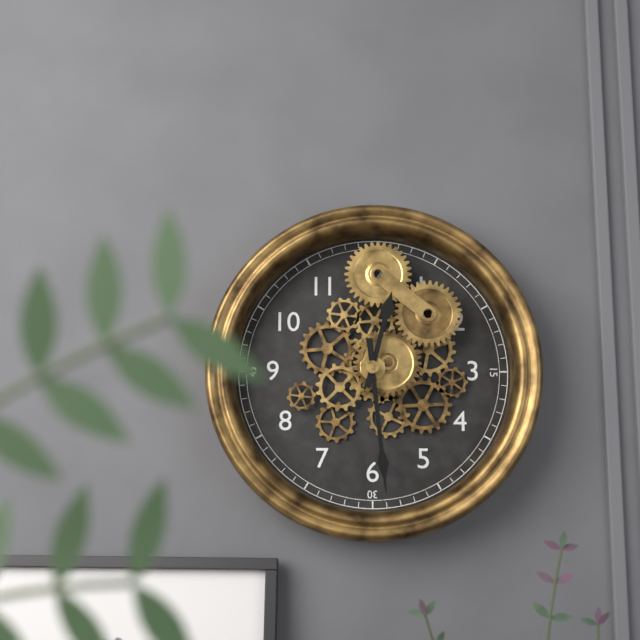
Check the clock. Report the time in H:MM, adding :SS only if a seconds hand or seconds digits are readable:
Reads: 12:29
